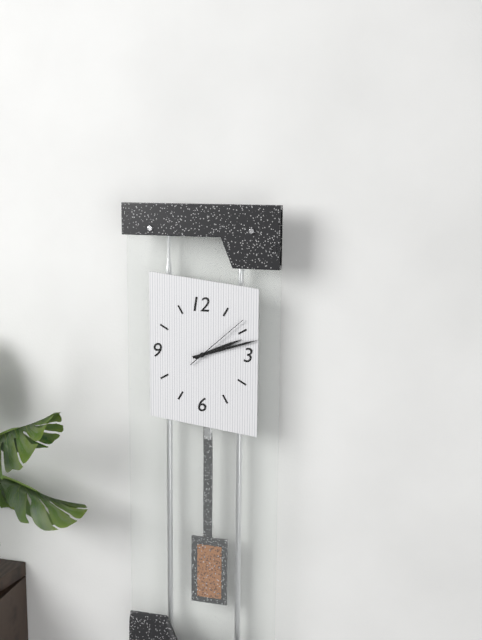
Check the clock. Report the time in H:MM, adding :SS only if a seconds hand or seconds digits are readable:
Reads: 2:12:08
